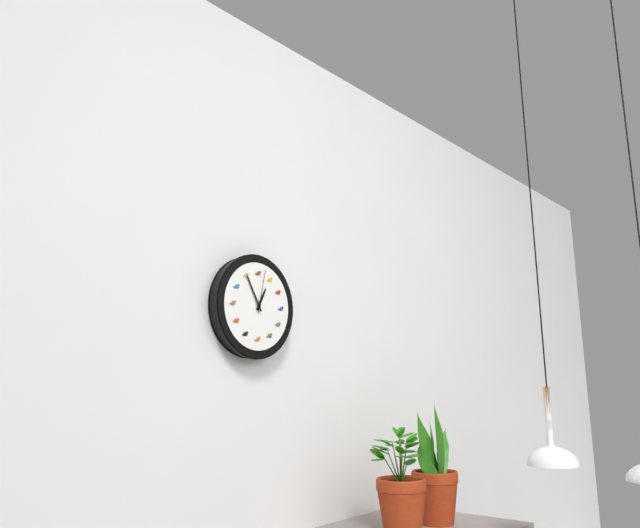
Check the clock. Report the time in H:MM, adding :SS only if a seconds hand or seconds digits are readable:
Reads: 12:55
